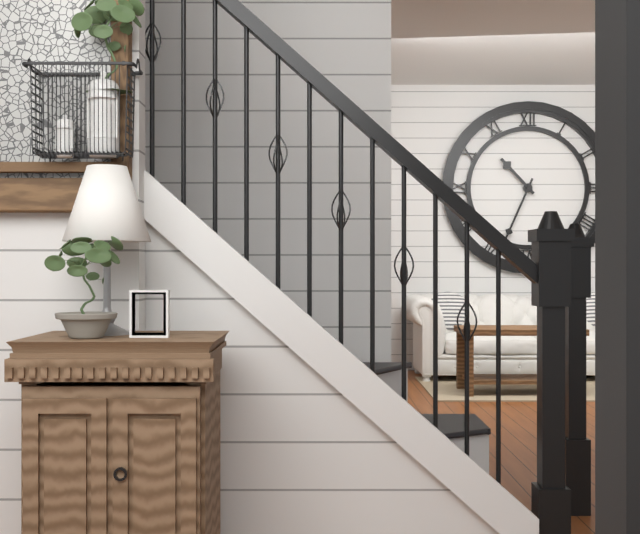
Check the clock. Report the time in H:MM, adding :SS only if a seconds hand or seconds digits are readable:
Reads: 10:34
